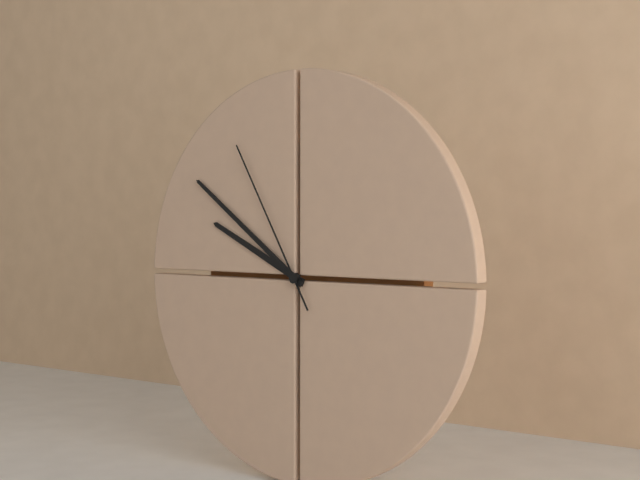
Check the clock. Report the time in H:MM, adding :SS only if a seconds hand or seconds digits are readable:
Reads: 9:51:55
